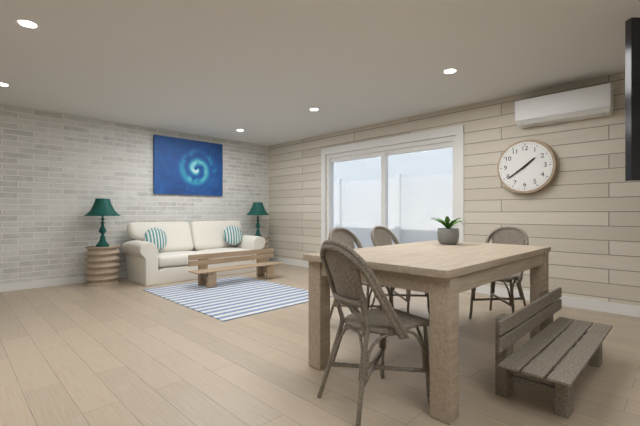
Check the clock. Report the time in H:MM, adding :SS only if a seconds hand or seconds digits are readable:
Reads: 1:39
